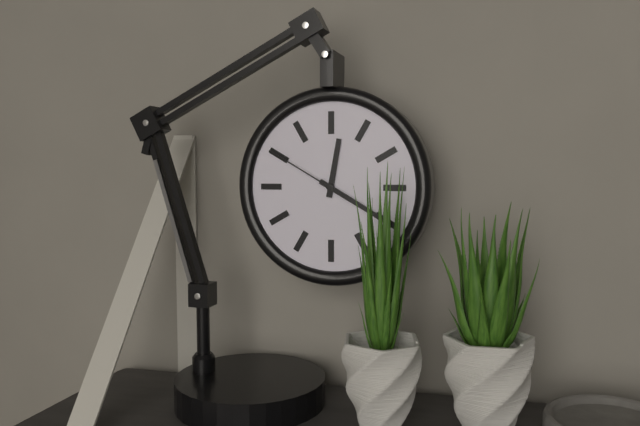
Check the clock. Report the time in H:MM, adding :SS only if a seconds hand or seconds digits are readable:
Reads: 12:20:50
